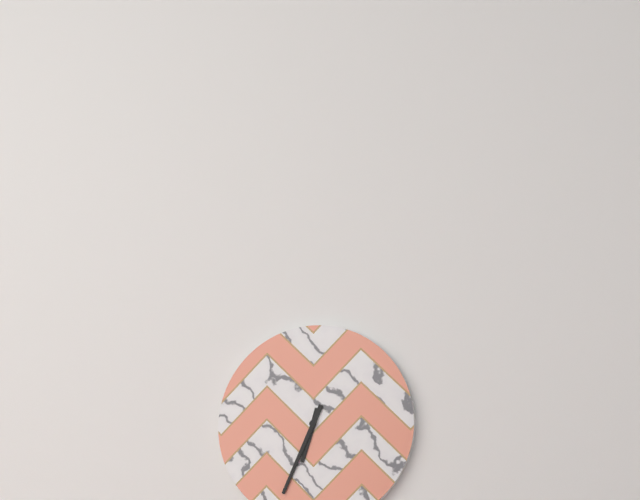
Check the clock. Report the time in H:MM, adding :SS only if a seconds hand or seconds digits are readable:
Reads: 6:34
